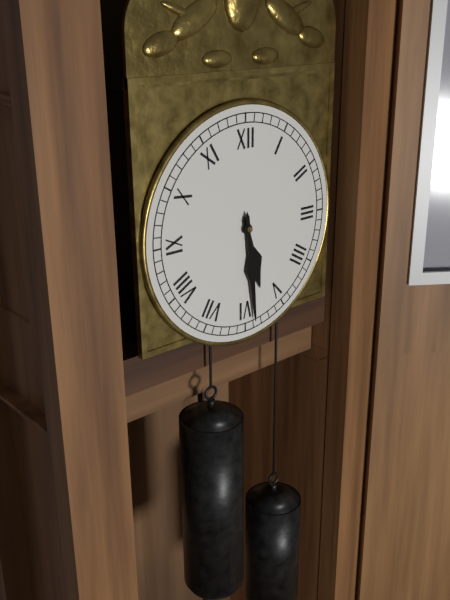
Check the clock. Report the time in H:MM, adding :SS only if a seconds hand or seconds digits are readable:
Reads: 5:29
